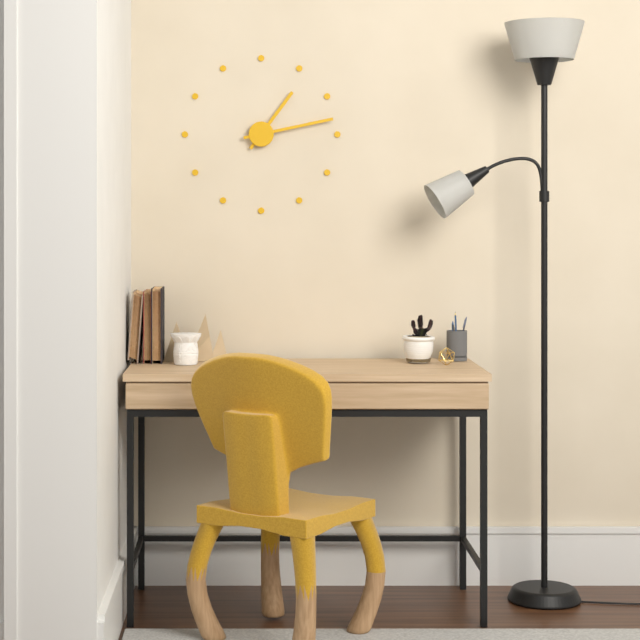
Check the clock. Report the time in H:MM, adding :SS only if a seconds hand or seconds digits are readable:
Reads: 1:13
